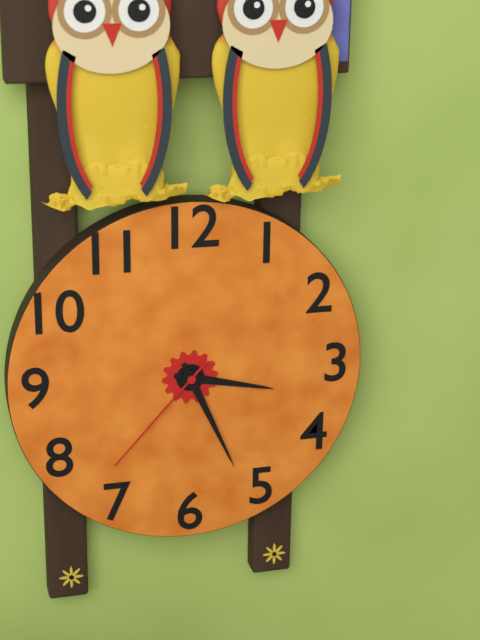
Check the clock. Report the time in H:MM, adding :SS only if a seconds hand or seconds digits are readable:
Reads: 3:26:37
